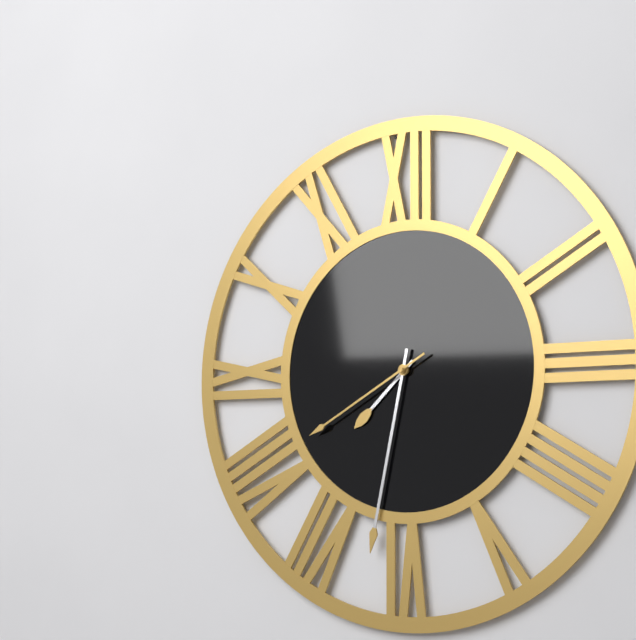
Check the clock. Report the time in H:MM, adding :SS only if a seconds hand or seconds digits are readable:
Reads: 7:32:40
